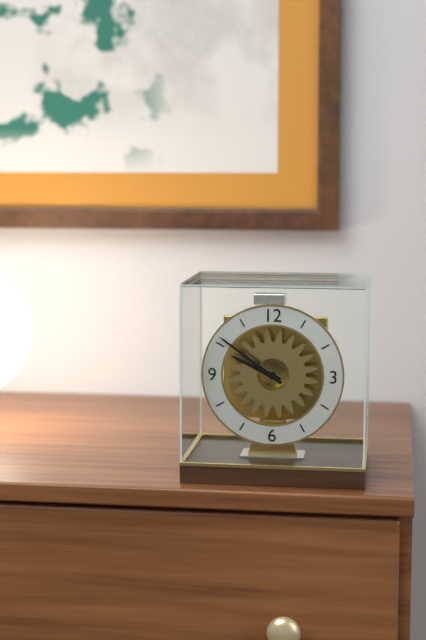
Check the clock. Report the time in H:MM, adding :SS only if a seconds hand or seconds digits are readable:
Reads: 9:51
